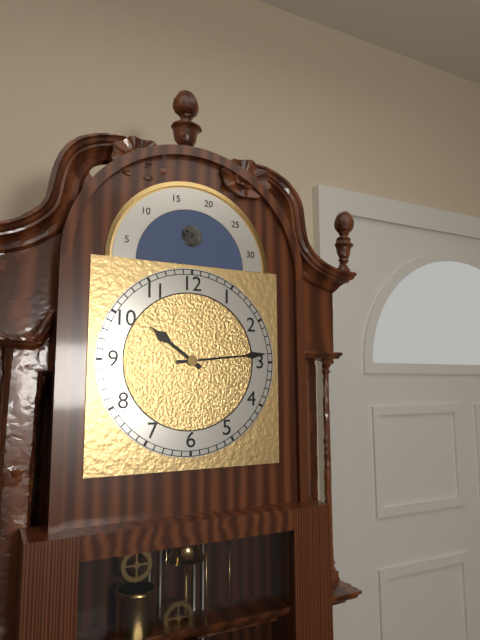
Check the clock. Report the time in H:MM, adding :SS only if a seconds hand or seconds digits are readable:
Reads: 10:14
